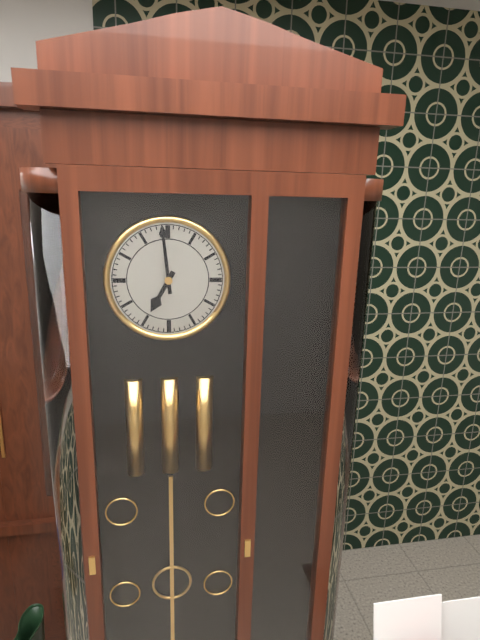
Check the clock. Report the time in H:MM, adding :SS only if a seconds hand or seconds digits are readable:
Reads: 6:59
